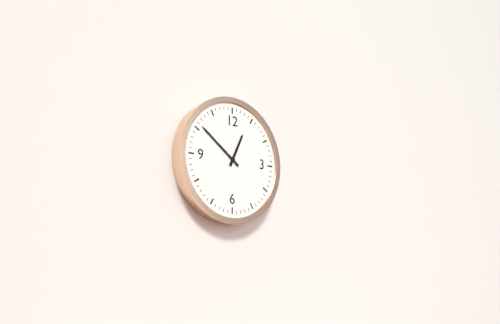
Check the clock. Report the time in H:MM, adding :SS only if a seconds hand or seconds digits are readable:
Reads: 12:51
